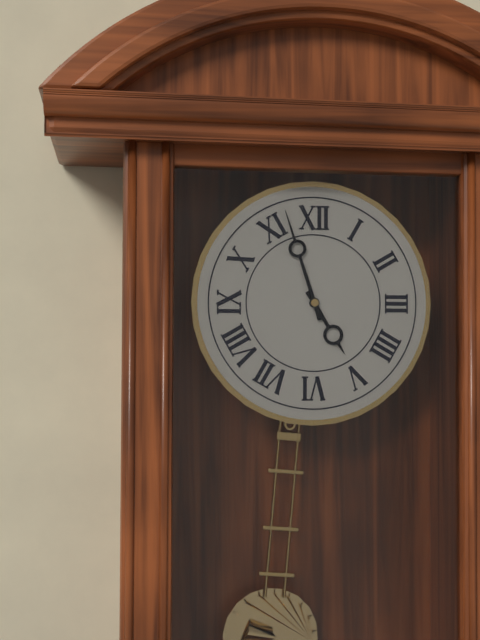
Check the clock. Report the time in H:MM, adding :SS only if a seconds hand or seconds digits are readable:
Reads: 4:57
